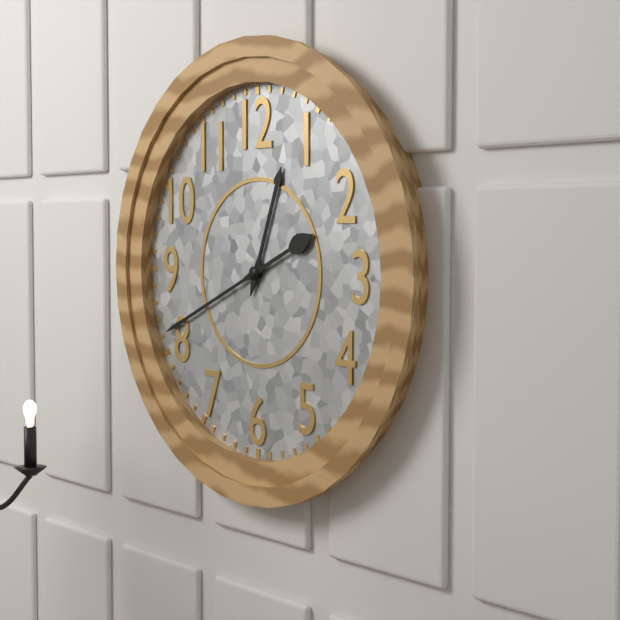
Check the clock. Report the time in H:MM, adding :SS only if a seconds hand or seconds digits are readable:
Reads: 12:41
